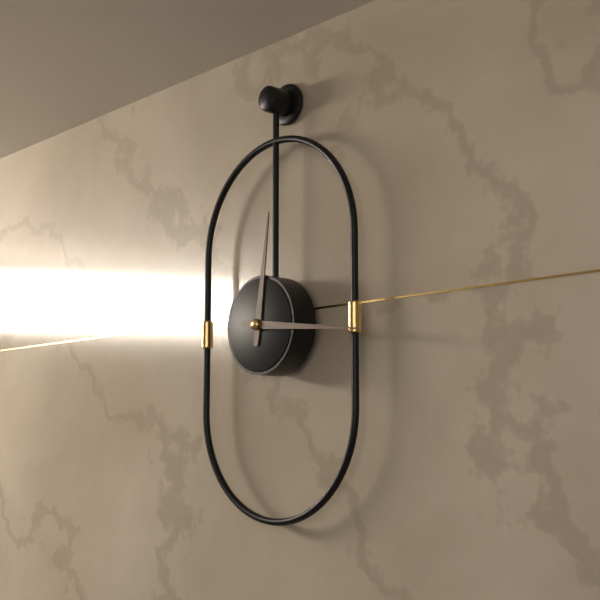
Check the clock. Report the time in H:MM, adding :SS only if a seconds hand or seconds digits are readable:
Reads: 12:16
